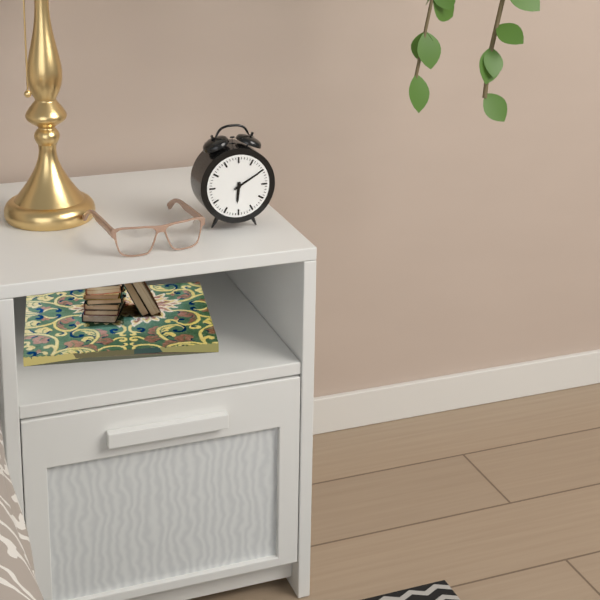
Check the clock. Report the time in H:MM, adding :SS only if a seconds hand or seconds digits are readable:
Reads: 6:10
